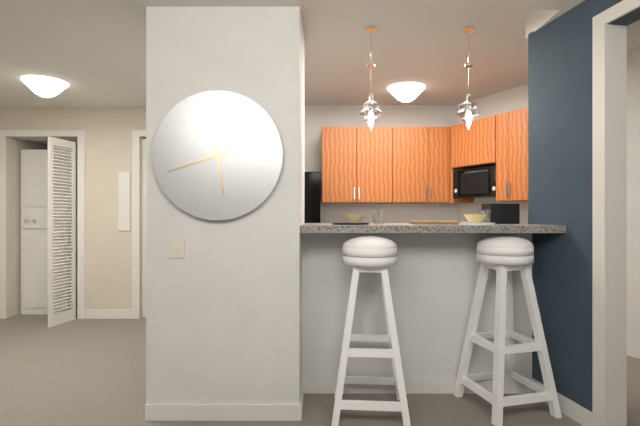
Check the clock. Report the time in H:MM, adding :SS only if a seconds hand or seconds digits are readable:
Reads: 5:42
